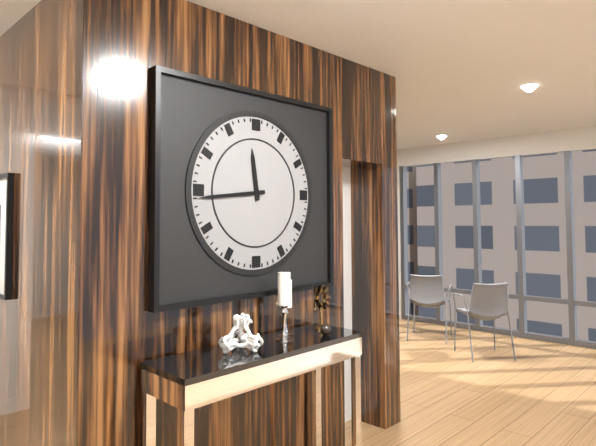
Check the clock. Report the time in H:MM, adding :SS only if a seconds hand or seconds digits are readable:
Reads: 11:44
